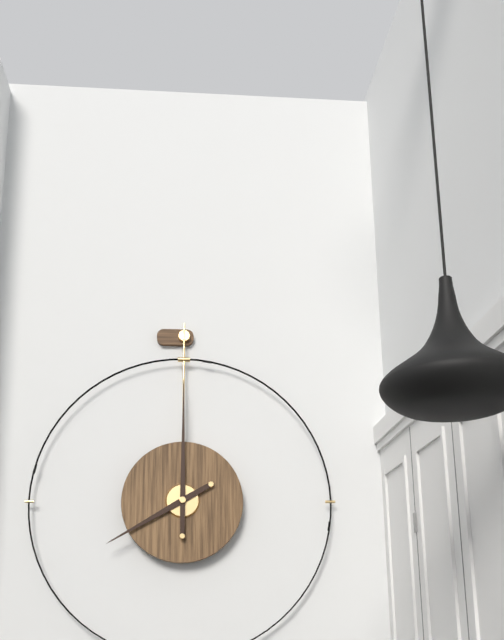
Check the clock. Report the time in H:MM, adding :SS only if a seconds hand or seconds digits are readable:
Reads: 8:00
